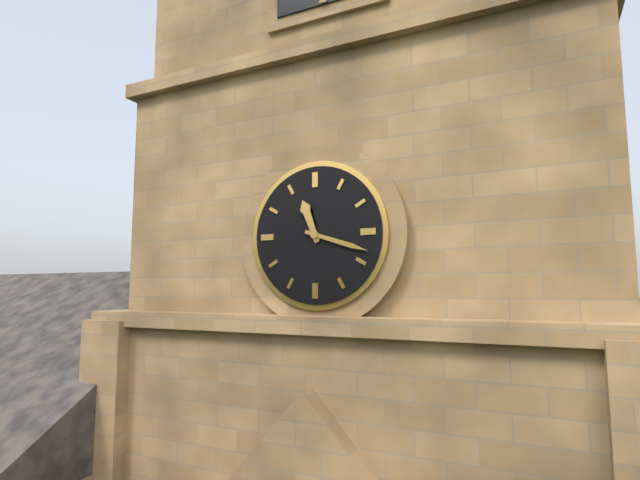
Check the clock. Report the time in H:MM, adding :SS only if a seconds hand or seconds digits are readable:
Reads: 11:18
